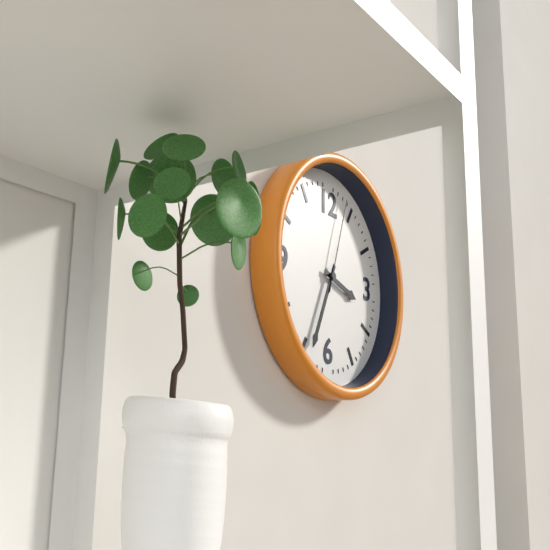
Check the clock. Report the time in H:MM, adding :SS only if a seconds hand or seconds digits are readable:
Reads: 3:34:03
